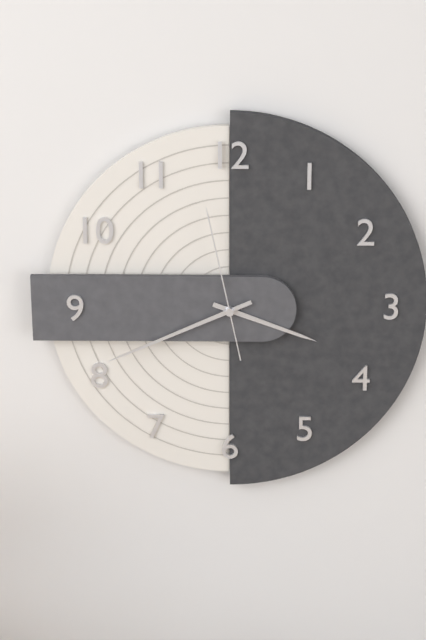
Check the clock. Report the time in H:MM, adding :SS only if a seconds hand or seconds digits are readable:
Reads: 3:41:58
